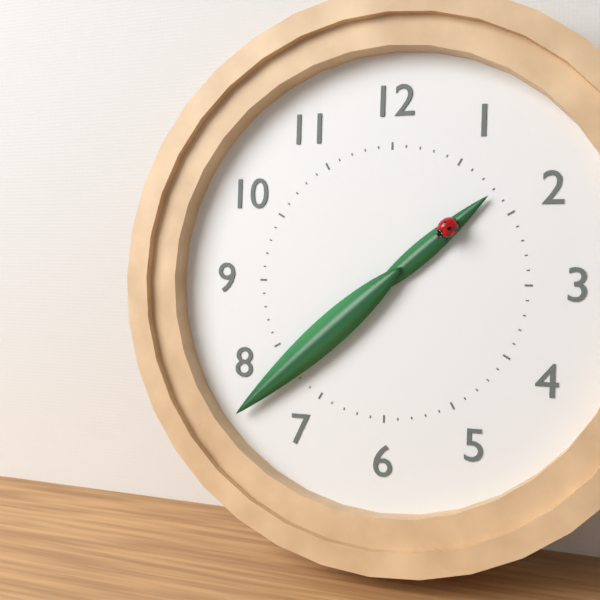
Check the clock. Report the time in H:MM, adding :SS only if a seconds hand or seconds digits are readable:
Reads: 1:38
